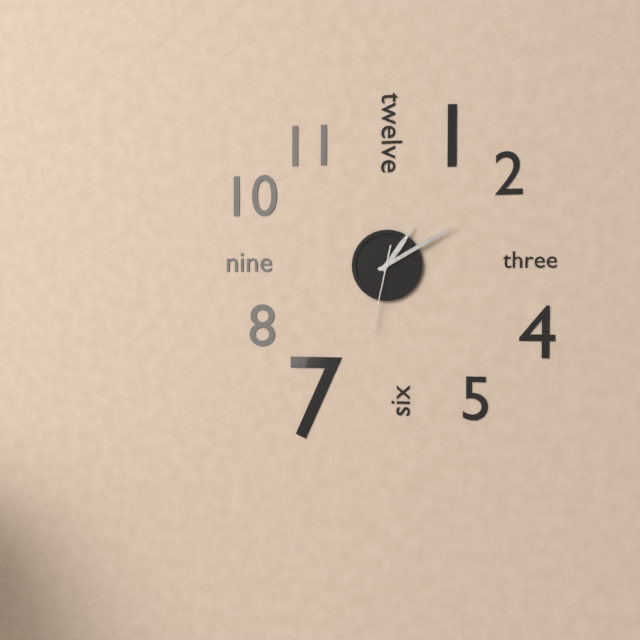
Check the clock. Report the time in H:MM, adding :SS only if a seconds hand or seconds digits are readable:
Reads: 1:10:32
